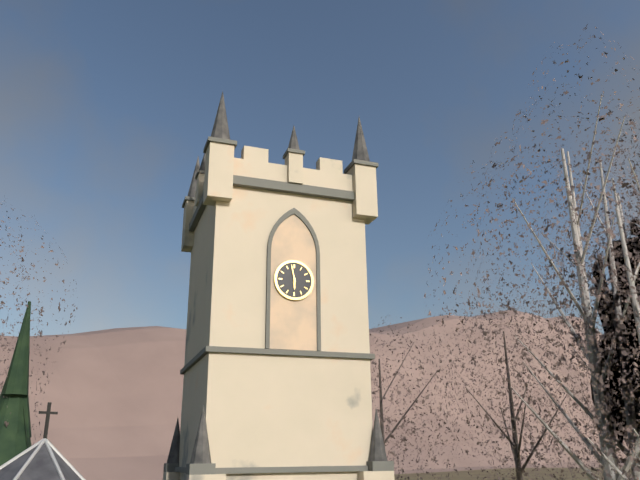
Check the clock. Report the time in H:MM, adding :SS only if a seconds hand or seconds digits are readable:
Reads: 5:58
